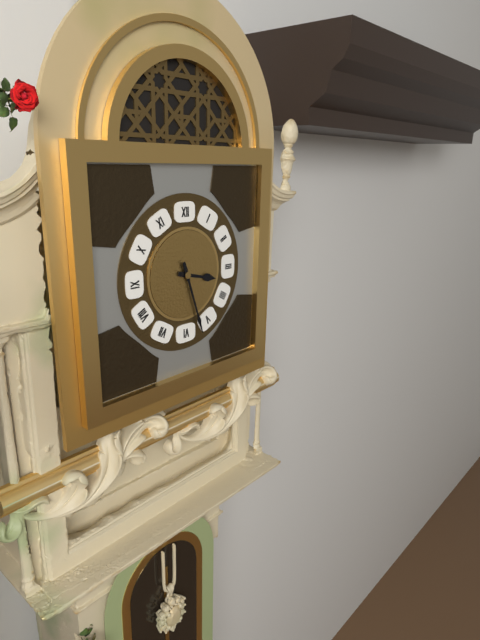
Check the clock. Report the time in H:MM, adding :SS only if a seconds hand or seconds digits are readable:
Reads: 3:27
